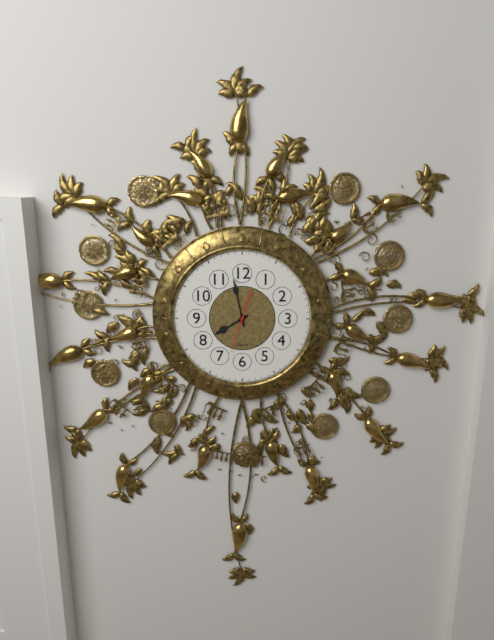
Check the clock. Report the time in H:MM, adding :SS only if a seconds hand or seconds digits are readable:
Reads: 7:58:33
